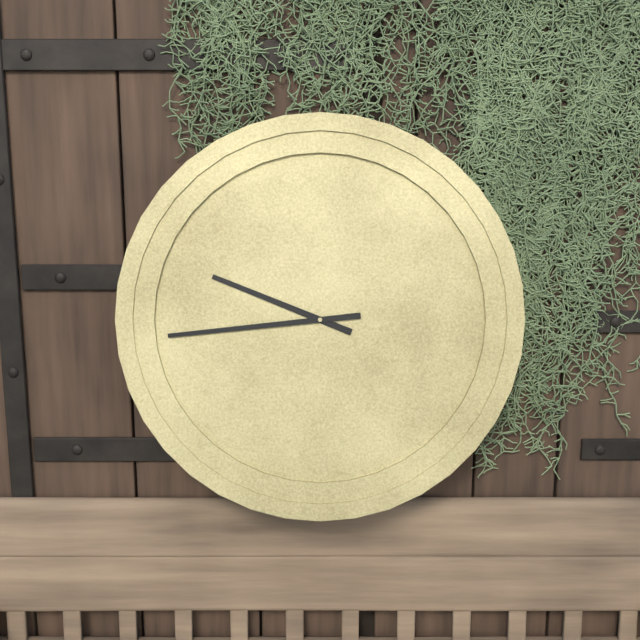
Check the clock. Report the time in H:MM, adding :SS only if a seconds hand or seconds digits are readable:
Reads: 9:44
